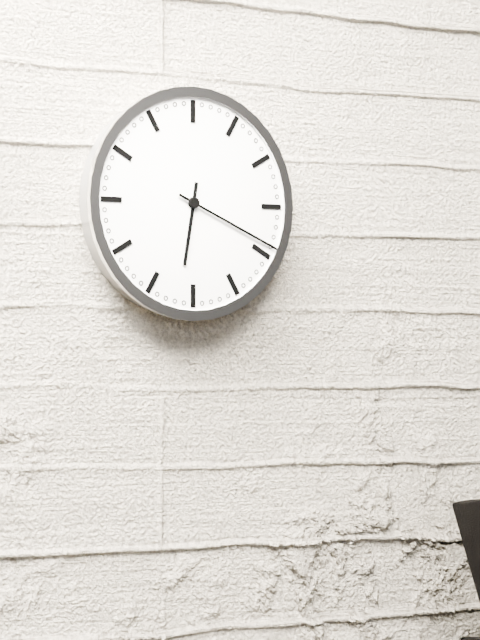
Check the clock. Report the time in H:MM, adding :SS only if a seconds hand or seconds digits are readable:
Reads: 6:19
